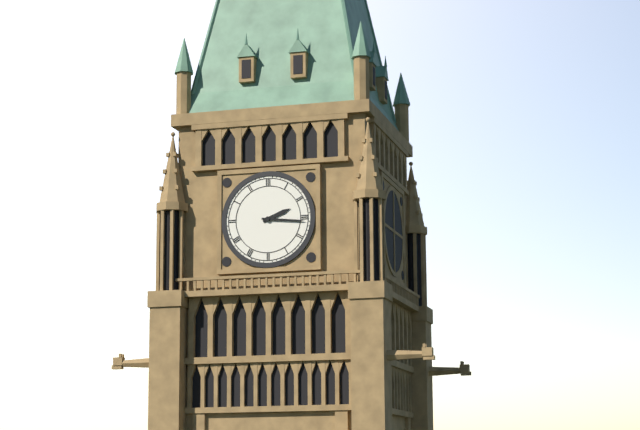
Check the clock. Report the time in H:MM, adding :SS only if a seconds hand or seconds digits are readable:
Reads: 2:16
